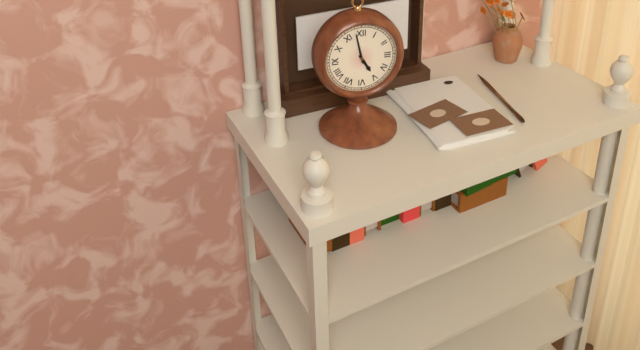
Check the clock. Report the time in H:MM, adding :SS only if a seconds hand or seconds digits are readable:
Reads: 4:58
